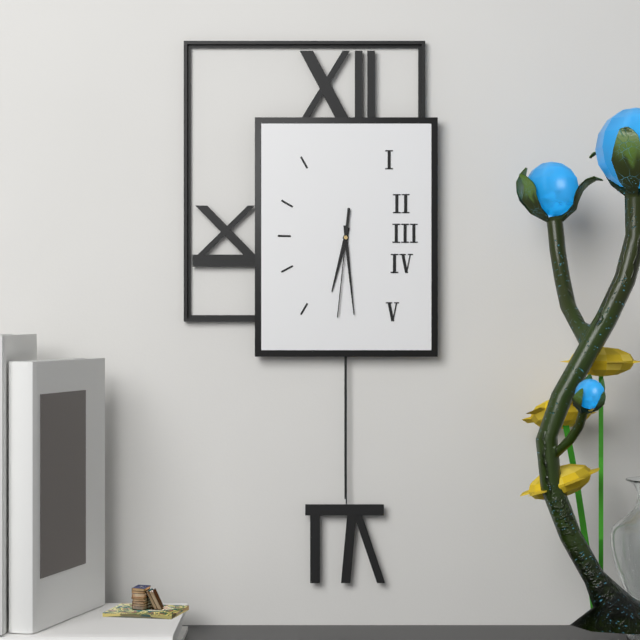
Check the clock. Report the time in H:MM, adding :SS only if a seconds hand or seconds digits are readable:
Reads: 6:29:31
